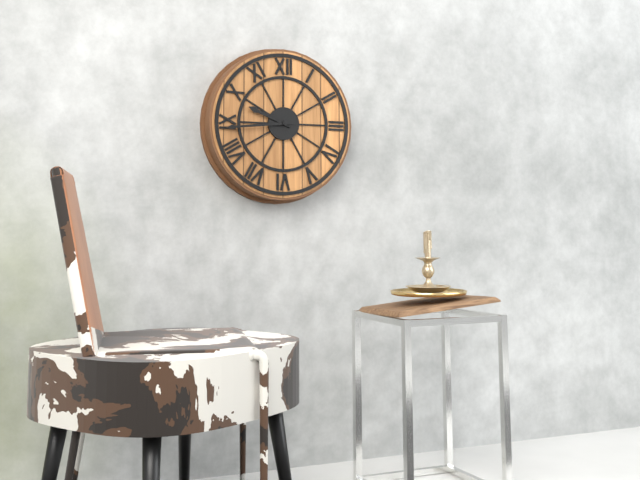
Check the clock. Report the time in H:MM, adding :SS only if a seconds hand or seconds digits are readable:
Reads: 9:44
